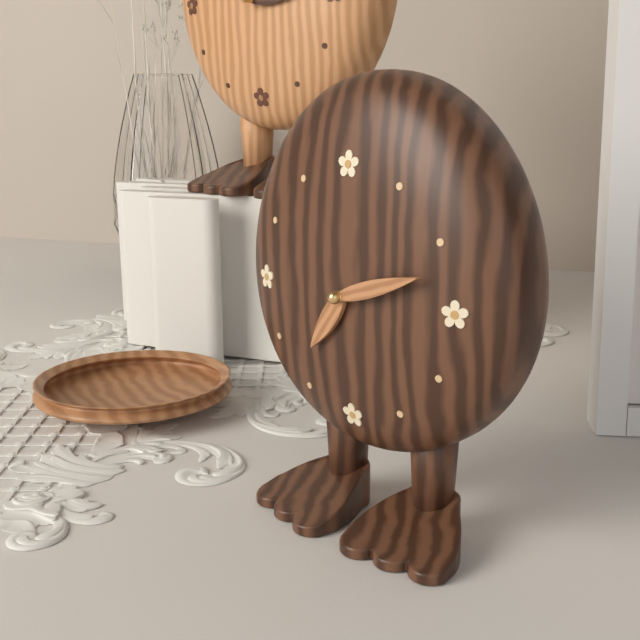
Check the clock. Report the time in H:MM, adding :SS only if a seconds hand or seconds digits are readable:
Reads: 7:12
